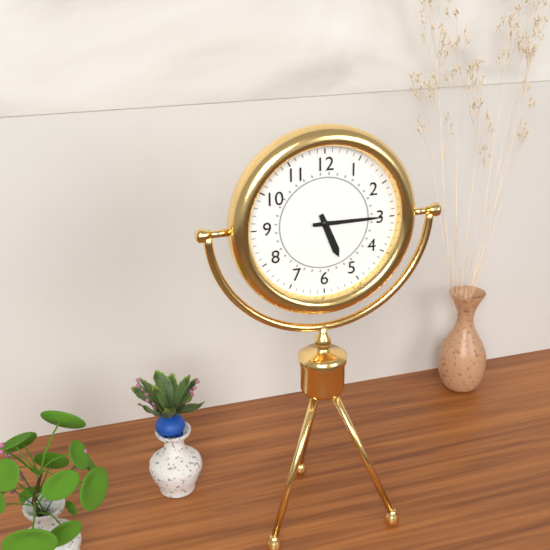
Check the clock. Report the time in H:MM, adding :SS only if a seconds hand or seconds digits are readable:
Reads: 5:15
